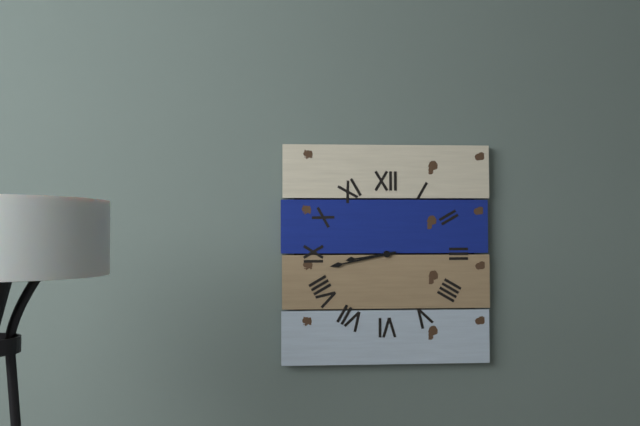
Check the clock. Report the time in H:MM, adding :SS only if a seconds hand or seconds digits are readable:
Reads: 8:43
